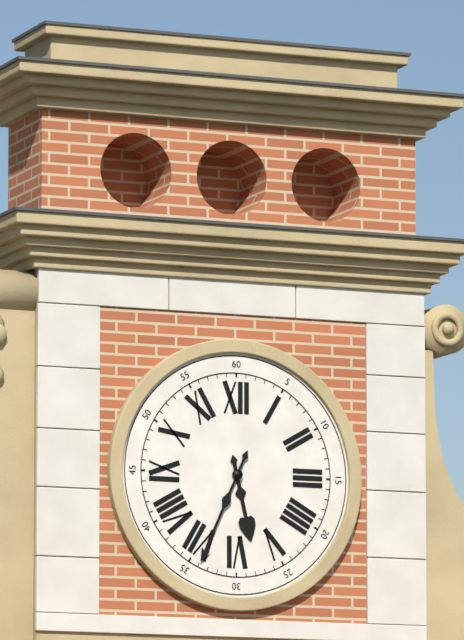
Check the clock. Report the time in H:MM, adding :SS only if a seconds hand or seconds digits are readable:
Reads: 5:34
